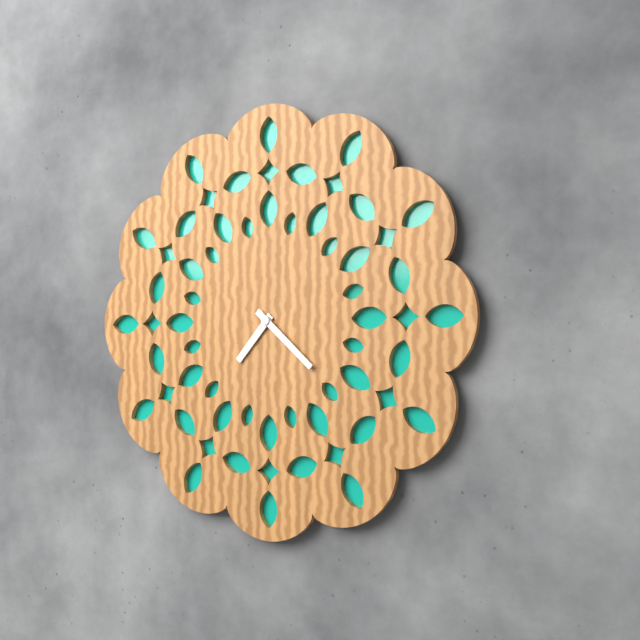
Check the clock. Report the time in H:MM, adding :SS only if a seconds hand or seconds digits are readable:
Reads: 7:22
